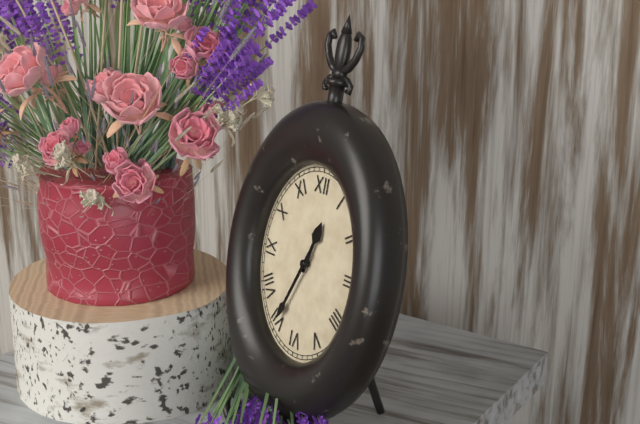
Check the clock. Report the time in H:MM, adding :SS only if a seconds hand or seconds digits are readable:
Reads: 12:34
